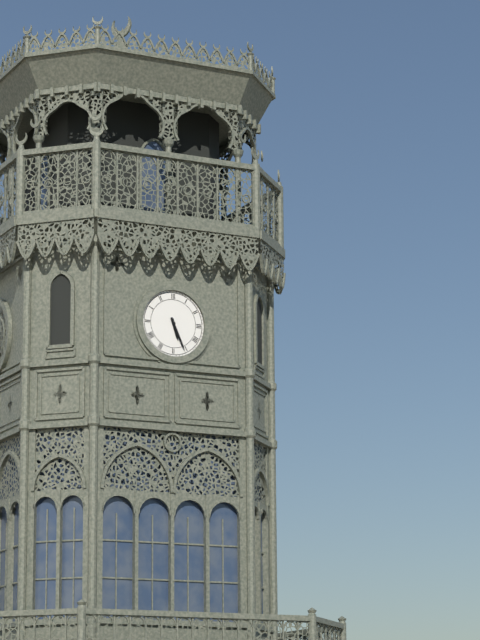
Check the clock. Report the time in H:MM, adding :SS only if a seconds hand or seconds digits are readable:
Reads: 5:26
